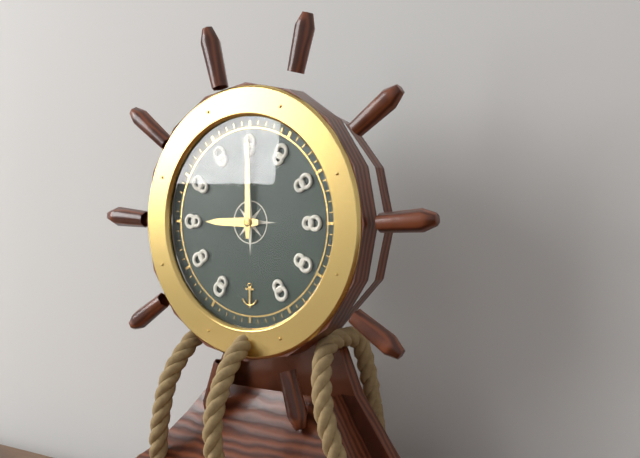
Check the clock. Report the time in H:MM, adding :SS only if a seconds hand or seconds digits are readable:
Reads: 9:00
